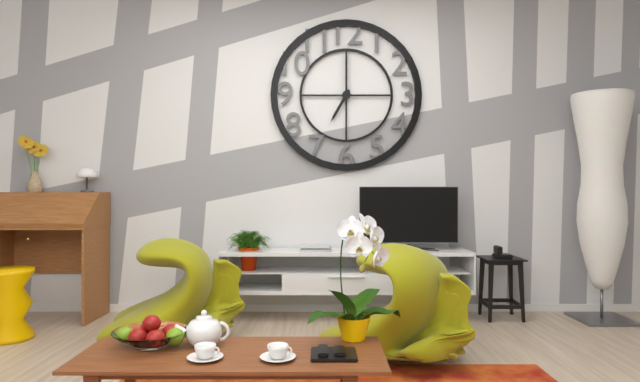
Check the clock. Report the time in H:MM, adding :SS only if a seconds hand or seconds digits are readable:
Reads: 7:00
